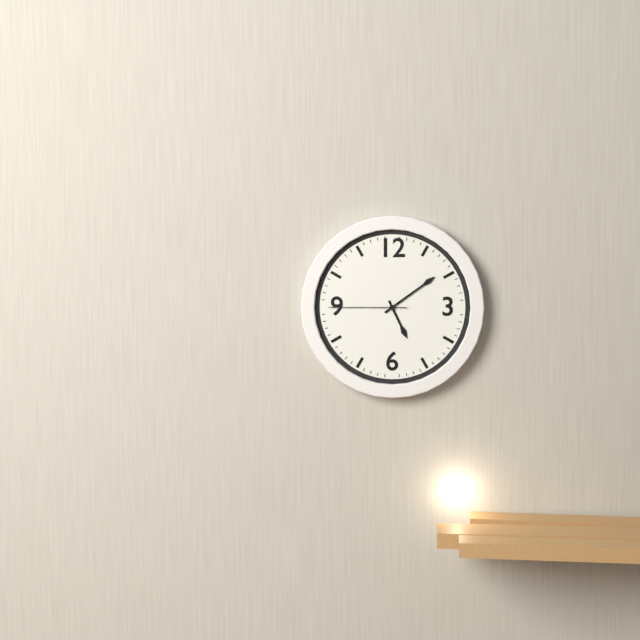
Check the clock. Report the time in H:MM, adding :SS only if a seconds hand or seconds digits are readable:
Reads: 5:09:45
